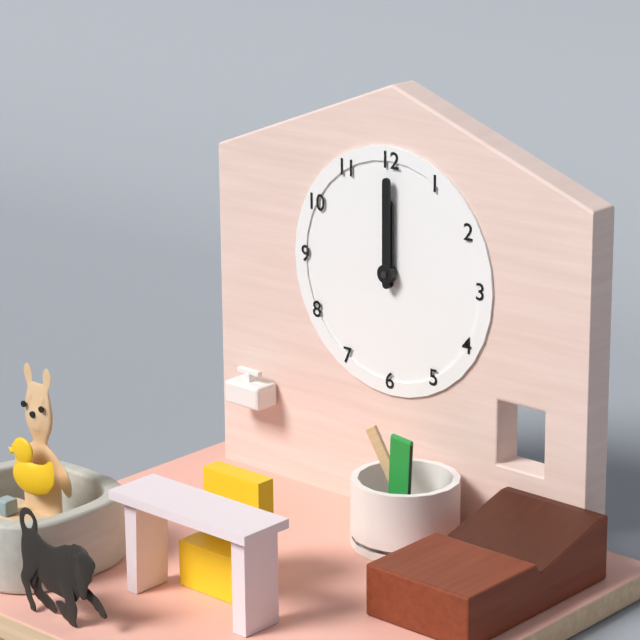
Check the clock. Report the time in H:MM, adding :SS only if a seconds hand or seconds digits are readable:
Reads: 12:00
